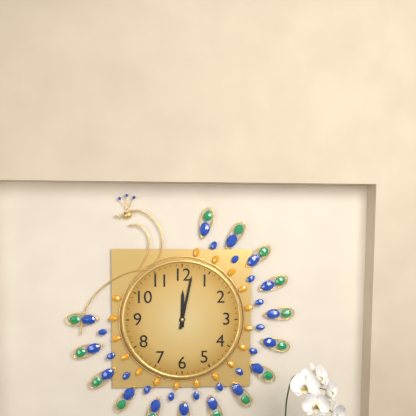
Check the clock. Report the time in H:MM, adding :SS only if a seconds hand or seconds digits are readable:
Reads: 12:02
